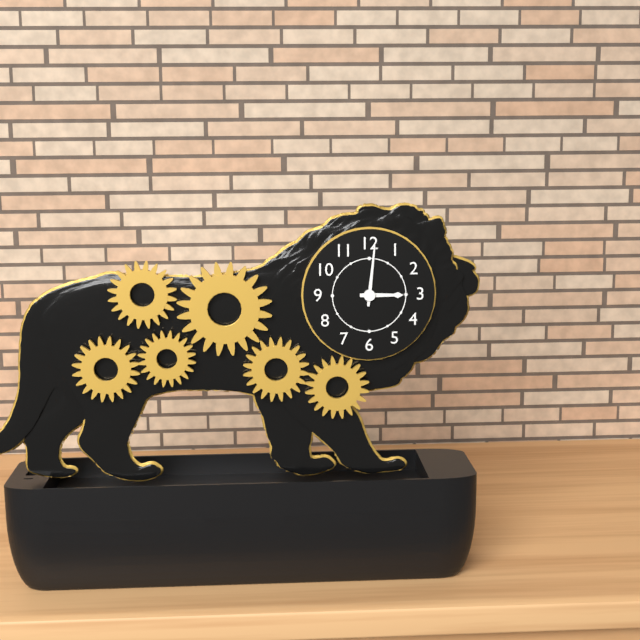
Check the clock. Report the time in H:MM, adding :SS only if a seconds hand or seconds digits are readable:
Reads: 3:01
